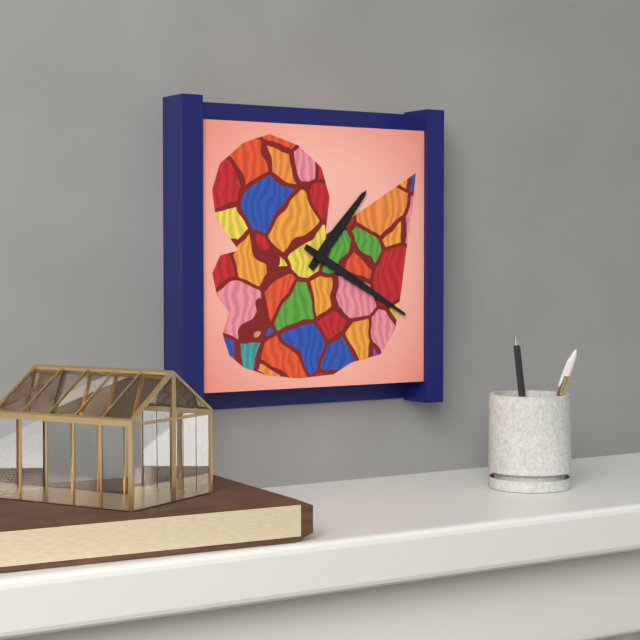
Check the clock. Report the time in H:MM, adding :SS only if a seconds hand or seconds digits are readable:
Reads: 1:20
